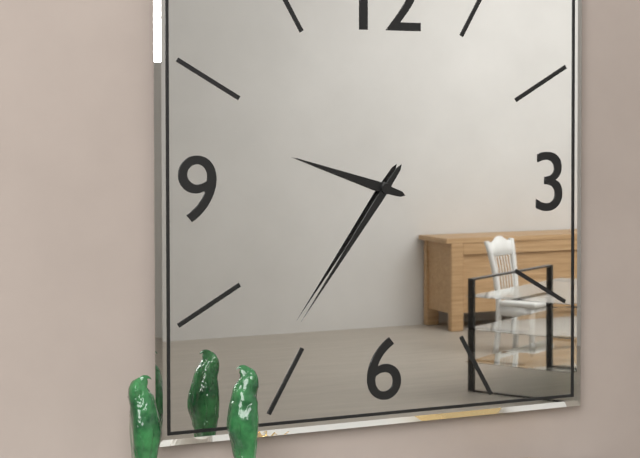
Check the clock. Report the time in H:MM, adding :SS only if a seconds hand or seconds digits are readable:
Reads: 9:36
